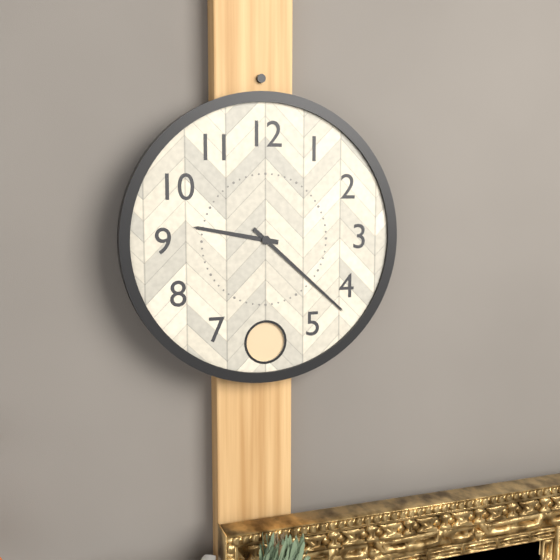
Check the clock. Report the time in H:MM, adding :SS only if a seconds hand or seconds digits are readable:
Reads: 9:22
